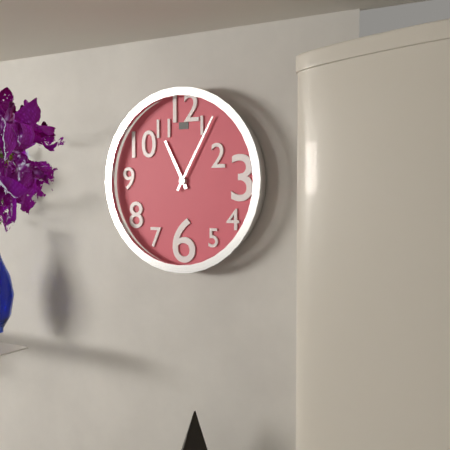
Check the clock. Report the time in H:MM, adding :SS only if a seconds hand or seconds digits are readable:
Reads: 11:05
